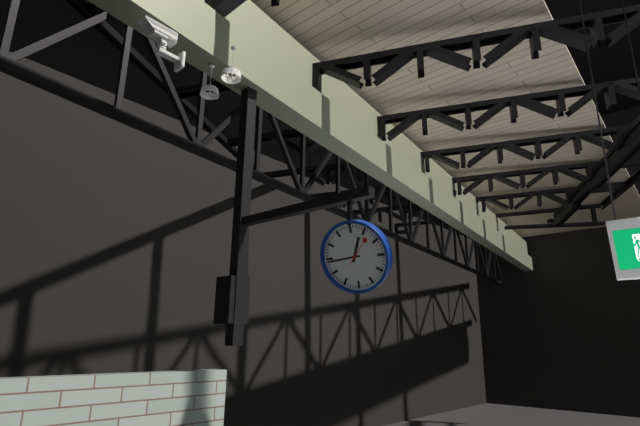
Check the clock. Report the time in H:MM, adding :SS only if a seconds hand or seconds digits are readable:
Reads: 12:44
